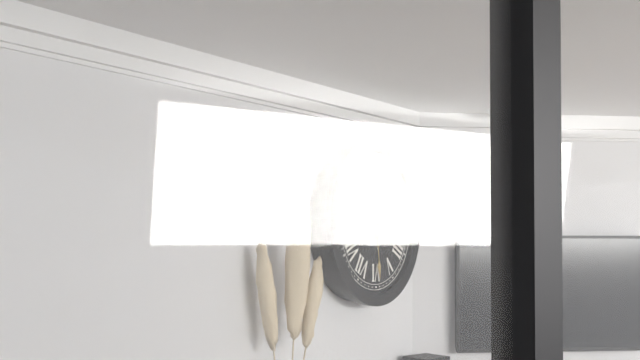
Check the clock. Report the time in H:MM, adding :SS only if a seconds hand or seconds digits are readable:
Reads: 11:29
